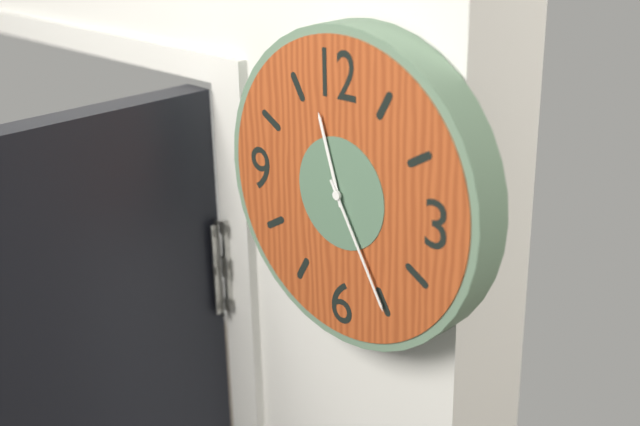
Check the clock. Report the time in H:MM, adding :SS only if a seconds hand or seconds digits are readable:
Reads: 11:25
